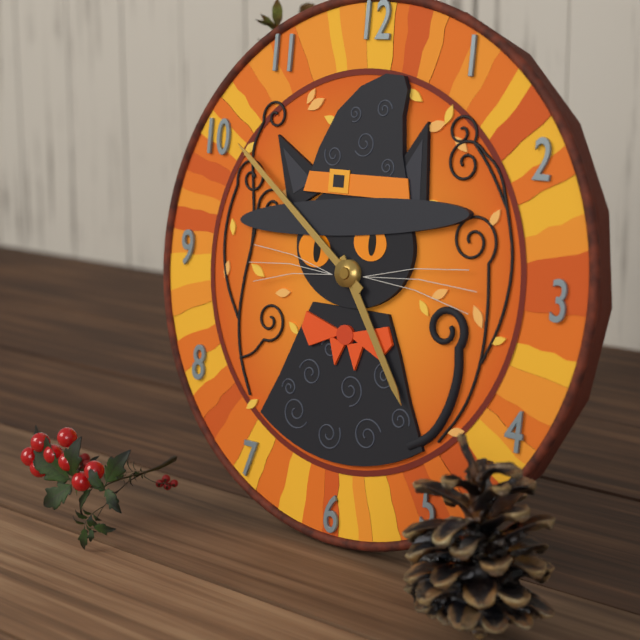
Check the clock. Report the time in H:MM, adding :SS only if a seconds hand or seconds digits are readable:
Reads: 4:51
